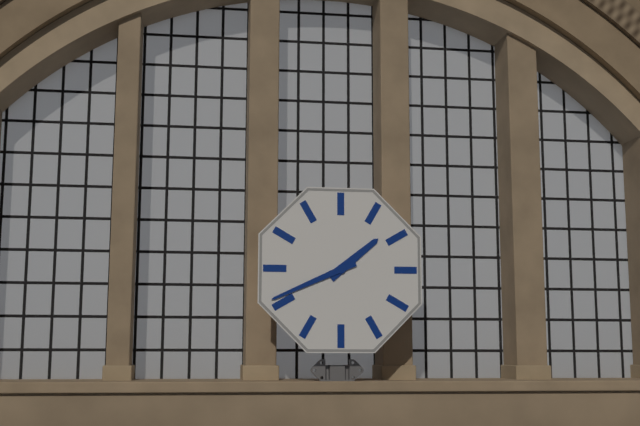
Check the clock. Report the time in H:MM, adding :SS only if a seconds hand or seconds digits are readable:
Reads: 1:41
